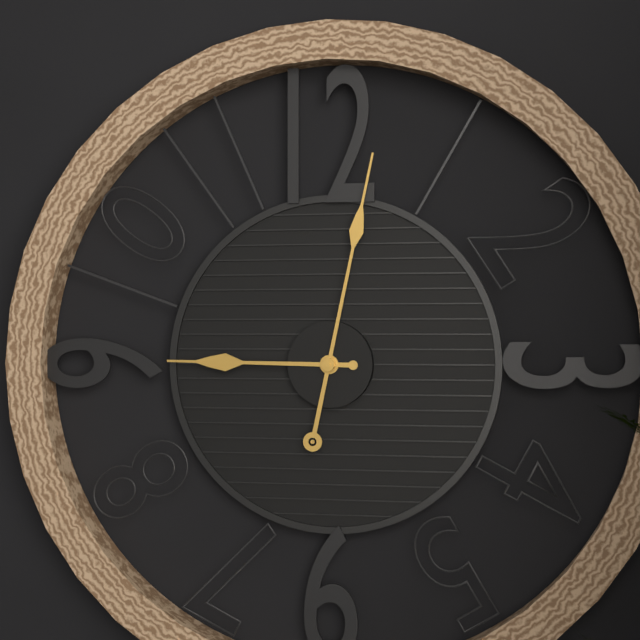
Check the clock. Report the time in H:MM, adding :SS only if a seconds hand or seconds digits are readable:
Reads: 9:02
